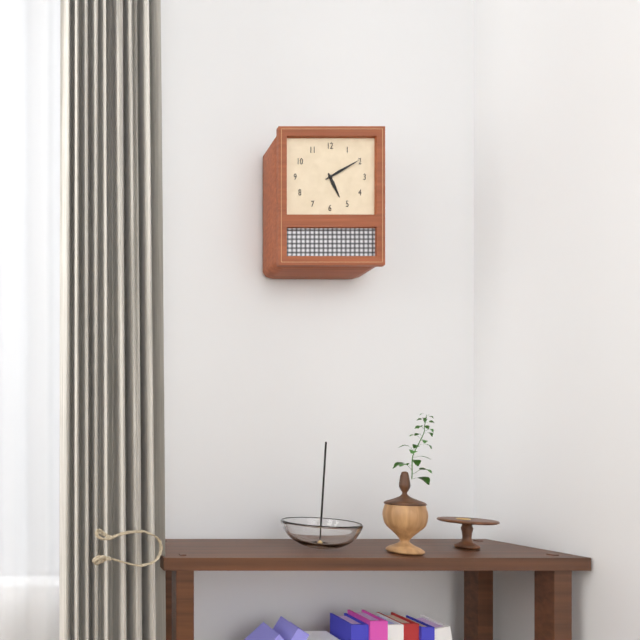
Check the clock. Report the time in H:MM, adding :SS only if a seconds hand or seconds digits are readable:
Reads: 5:10
